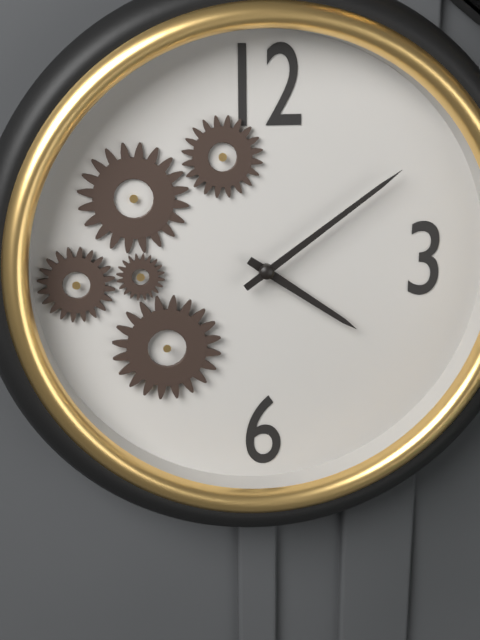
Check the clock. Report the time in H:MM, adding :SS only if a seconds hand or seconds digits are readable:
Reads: 4:09
